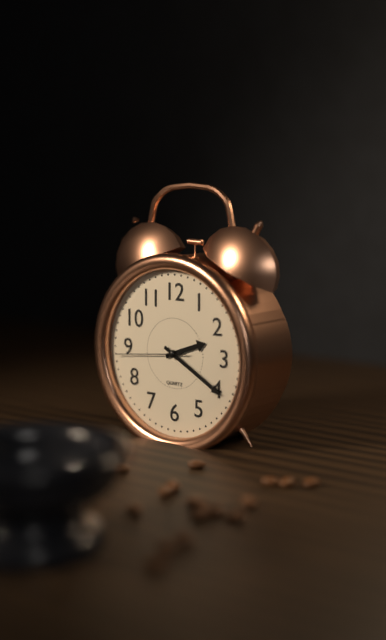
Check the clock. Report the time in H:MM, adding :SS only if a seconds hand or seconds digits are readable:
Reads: 2:20:44
